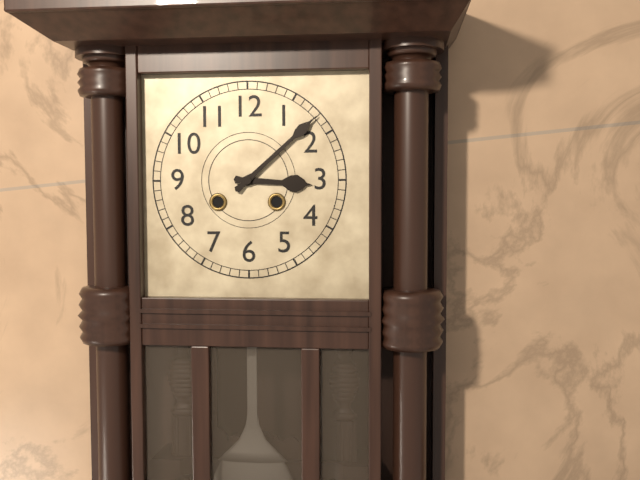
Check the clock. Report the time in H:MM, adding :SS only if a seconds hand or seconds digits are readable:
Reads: 3:08
